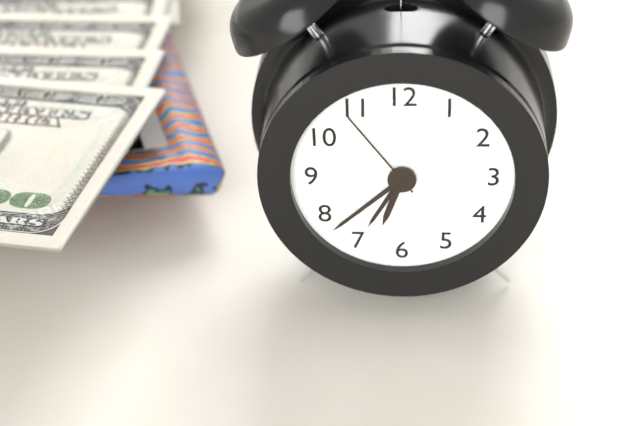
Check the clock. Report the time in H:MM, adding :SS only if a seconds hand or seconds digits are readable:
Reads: 6:38:54
